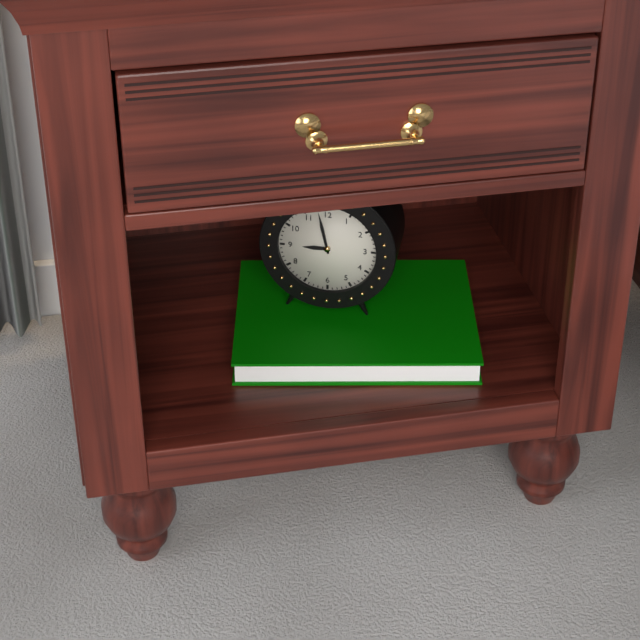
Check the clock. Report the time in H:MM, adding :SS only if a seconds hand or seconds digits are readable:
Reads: 8:58
